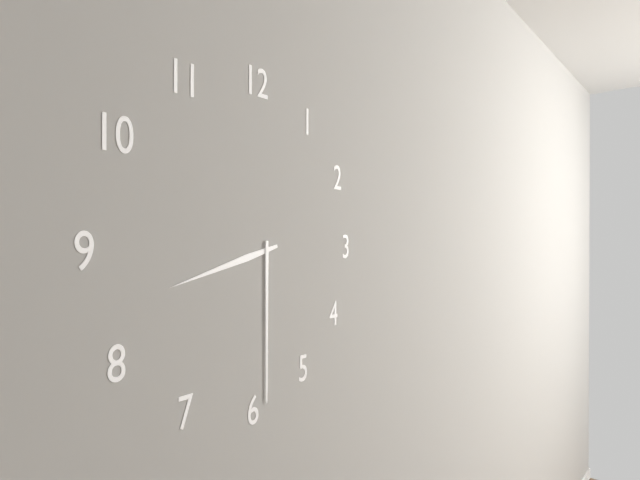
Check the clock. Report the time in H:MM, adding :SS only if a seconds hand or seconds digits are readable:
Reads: 8:30
